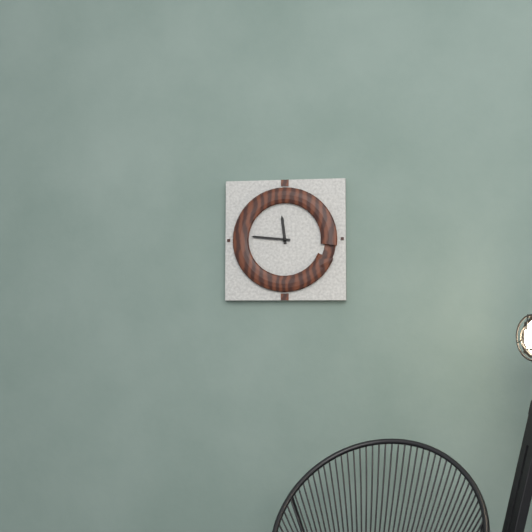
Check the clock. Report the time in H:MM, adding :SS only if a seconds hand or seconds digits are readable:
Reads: 11:46
